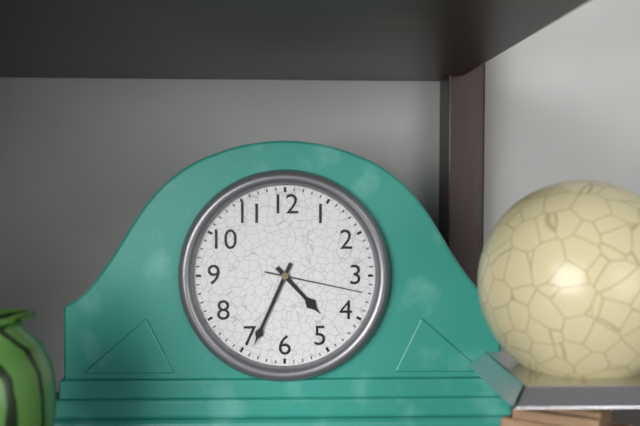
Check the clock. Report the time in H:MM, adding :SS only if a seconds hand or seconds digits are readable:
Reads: 4:34:17
